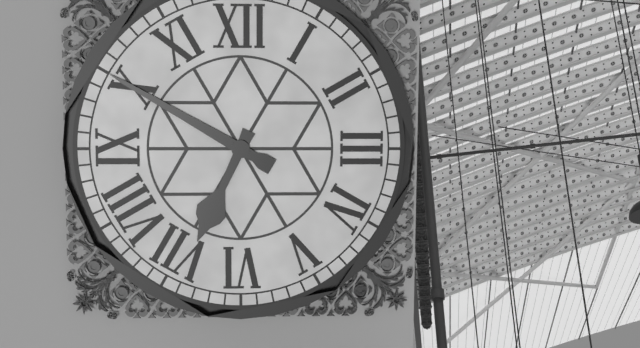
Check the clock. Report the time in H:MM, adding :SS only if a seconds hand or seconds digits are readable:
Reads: 6:50
